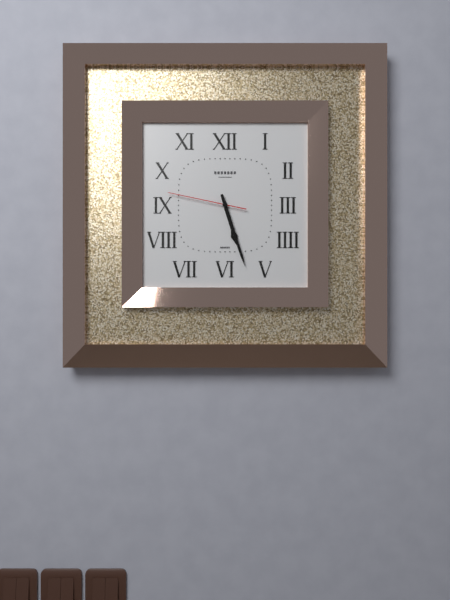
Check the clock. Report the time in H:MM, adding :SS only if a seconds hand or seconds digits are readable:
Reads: 5:27:47
